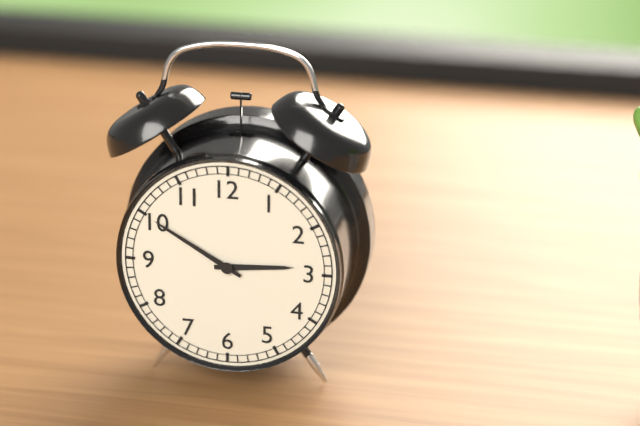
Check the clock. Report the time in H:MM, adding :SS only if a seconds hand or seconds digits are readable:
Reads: 2:50
